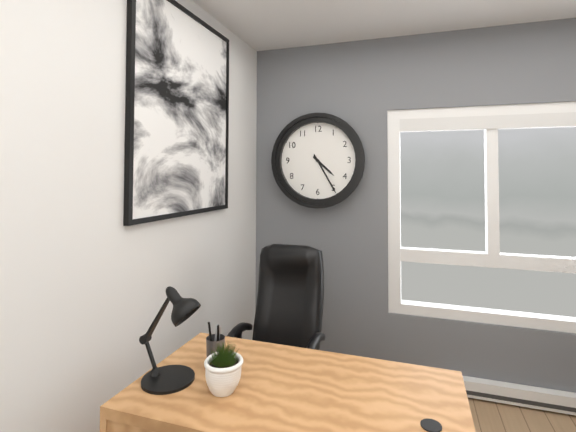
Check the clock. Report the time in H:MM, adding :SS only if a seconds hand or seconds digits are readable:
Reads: 4:25
